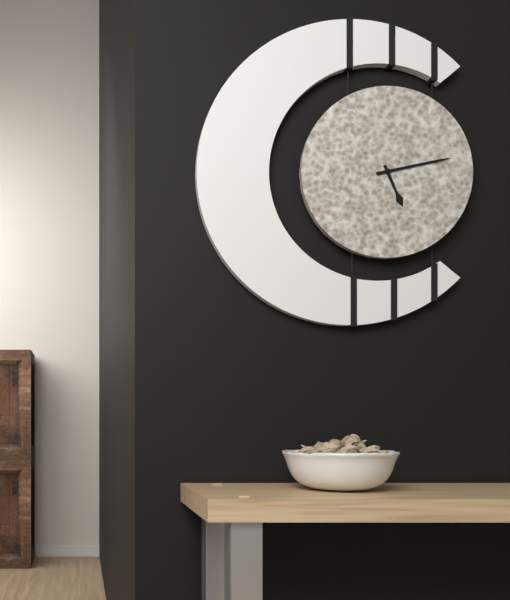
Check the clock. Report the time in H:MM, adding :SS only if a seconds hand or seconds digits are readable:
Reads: 5:13
